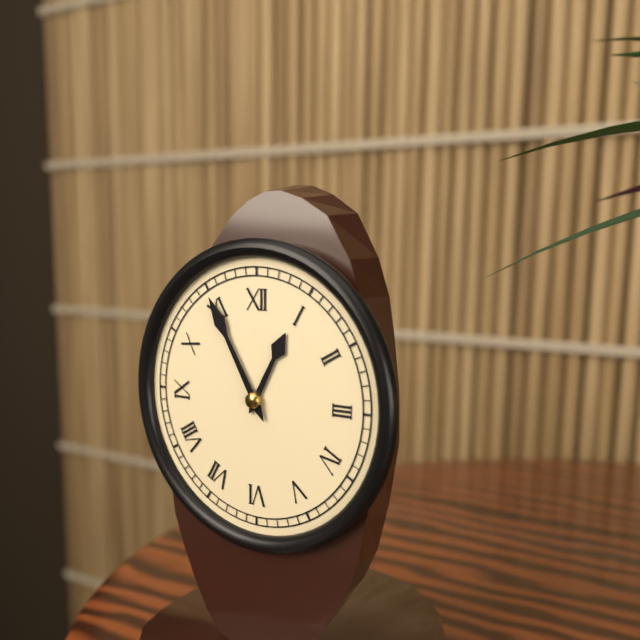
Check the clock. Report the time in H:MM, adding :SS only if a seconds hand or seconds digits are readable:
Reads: 12:55
